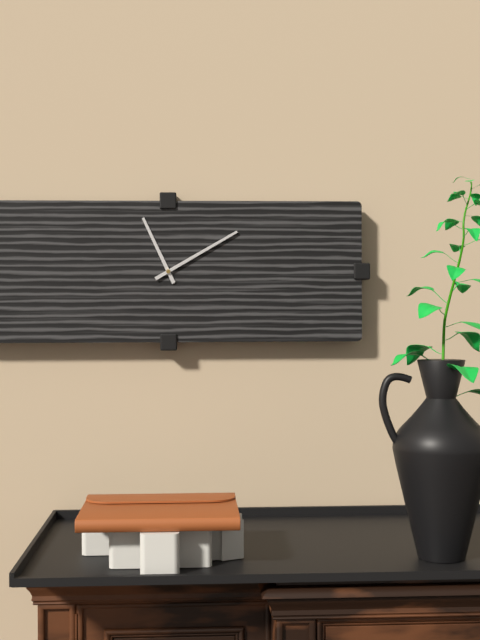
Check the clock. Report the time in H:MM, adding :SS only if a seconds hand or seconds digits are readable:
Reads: 11:10
